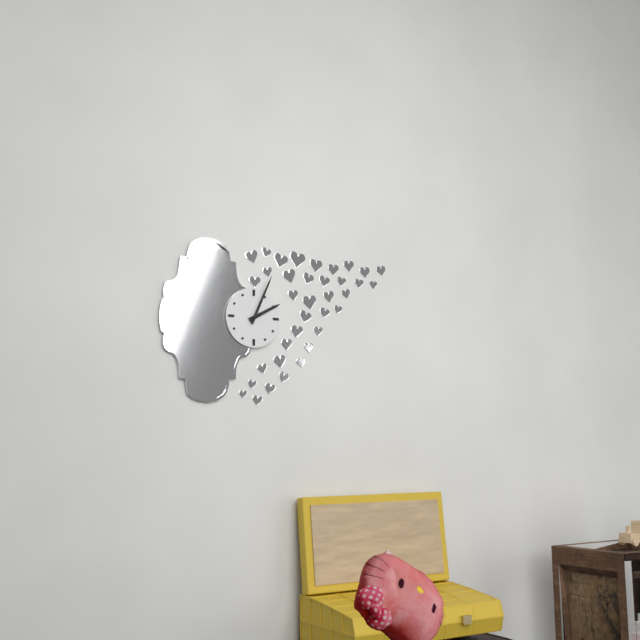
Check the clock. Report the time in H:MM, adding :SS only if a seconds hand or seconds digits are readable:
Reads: 2:04
